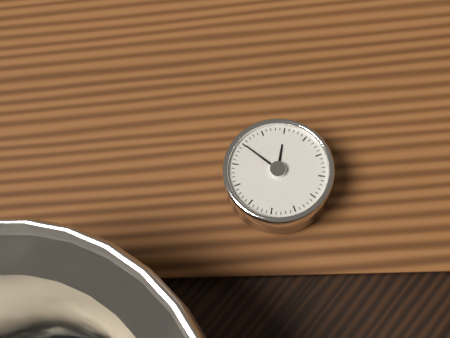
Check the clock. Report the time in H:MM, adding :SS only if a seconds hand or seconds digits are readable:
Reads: 2:00
